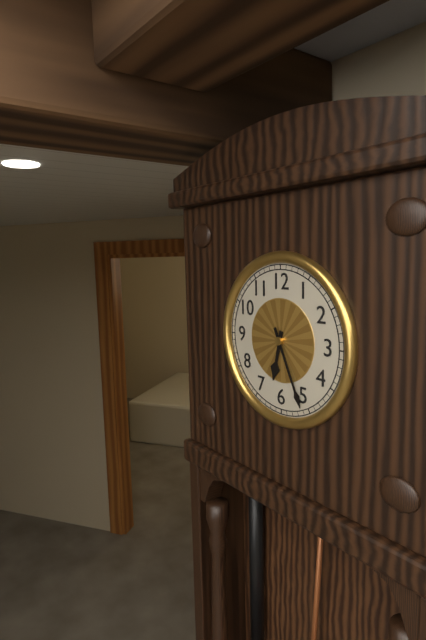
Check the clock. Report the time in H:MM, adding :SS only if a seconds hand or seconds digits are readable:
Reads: 6:26
